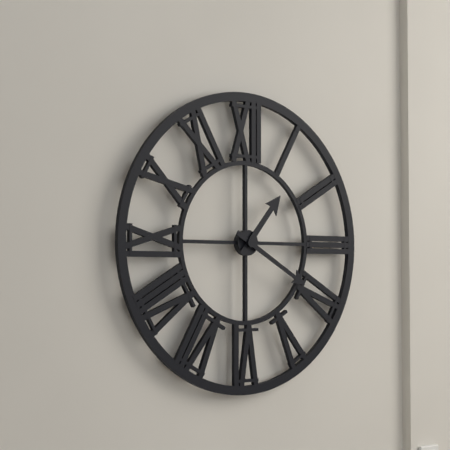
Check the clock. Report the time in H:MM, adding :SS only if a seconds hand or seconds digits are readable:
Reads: 1:20
